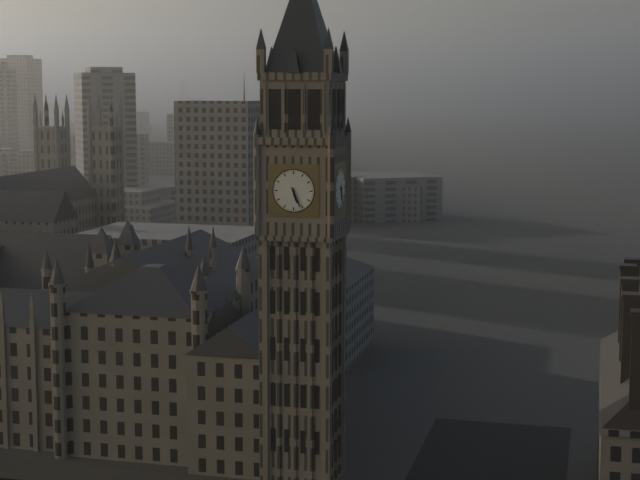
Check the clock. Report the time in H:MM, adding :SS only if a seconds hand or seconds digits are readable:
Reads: 5:26
